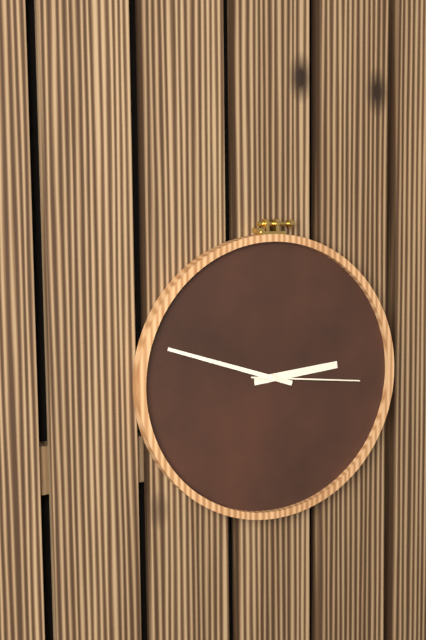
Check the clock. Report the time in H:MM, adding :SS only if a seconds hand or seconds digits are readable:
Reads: 2:48:16
